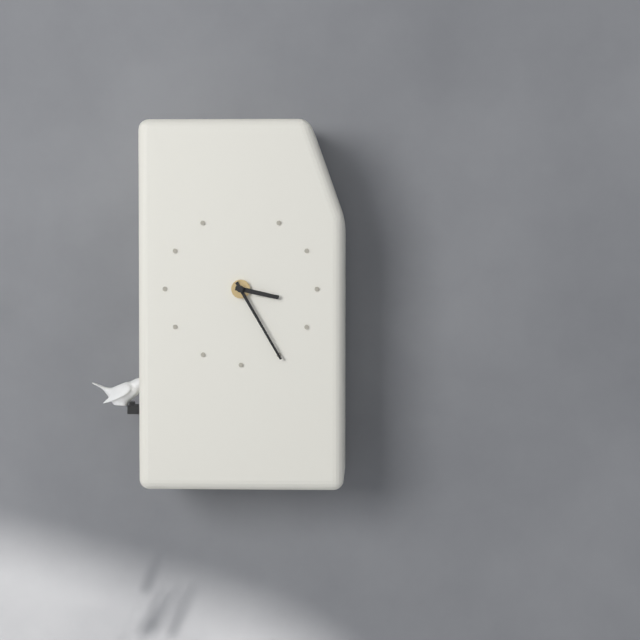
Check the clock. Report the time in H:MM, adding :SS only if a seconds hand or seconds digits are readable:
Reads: 3:25
